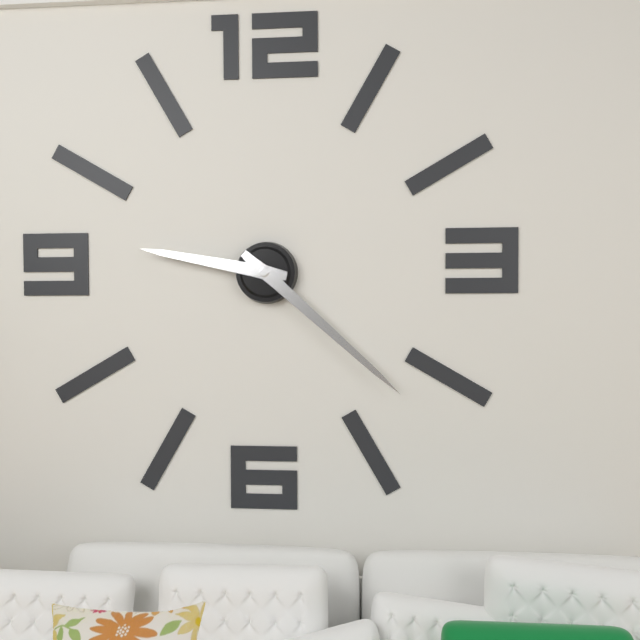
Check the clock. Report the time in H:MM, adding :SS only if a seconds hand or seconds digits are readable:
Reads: 9:22
